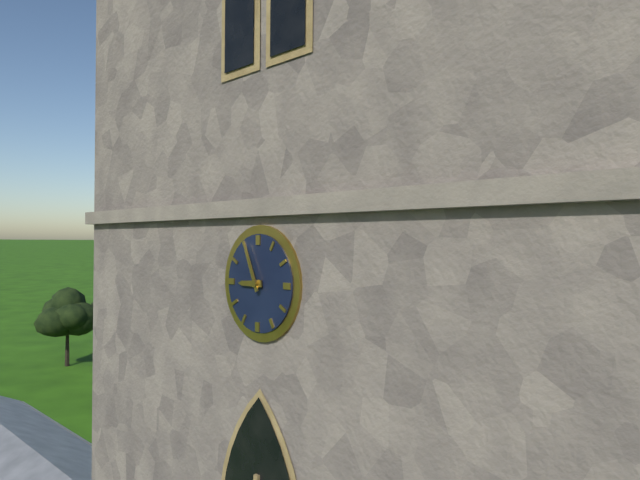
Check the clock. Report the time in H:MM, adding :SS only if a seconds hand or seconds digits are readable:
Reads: 8:56
